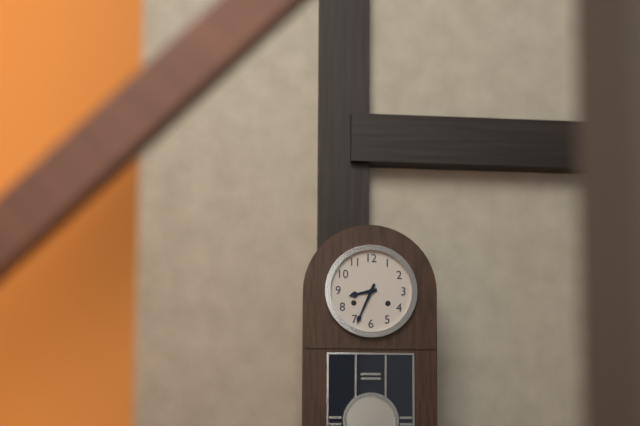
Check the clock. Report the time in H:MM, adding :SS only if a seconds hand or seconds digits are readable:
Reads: 8:34
